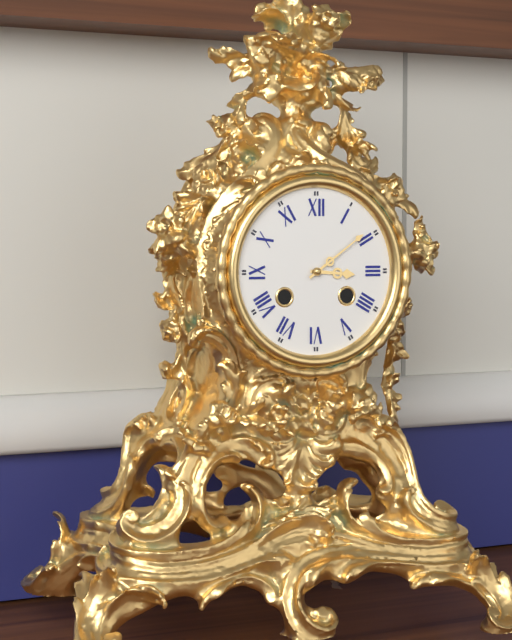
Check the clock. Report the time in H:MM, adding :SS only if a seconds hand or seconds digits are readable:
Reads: 3:09
